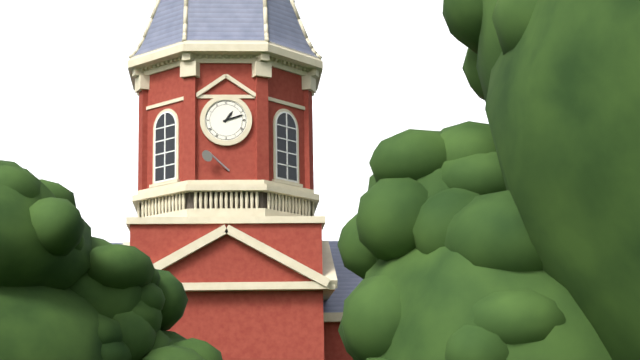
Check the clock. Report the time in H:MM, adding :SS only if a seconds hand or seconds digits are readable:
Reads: 1:12
